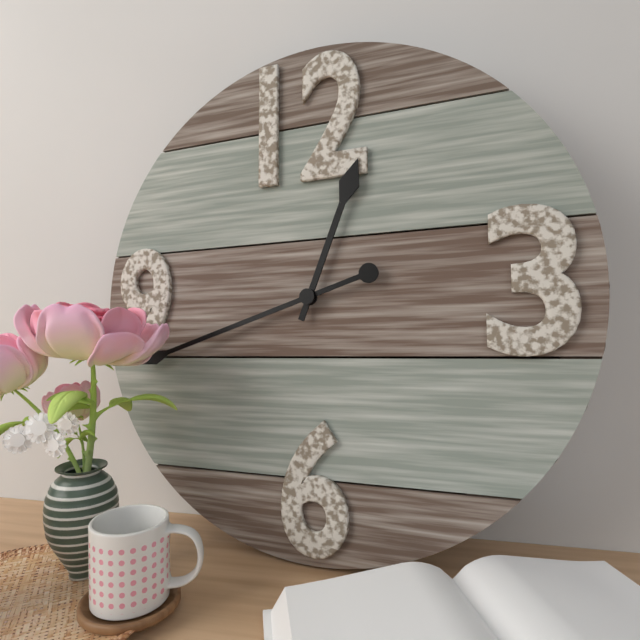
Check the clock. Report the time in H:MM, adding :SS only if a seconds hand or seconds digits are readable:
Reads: 12:42
